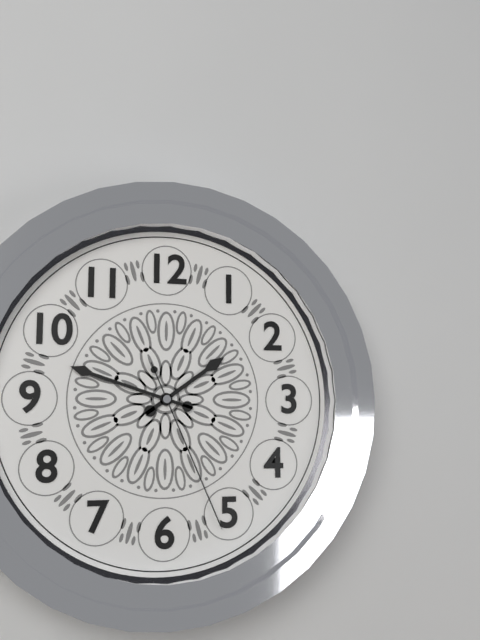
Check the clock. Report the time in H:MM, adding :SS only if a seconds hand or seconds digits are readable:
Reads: 1:48:26
